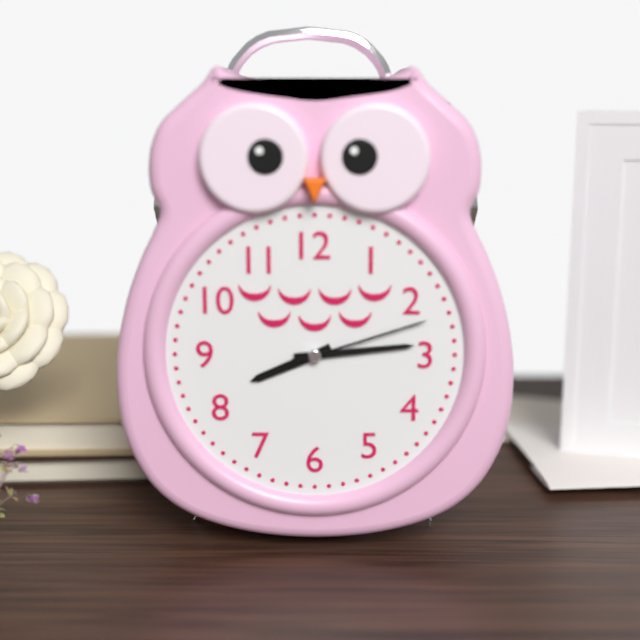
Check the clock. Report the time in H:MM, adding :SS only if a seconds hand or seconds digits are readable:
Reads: 8:14:12
